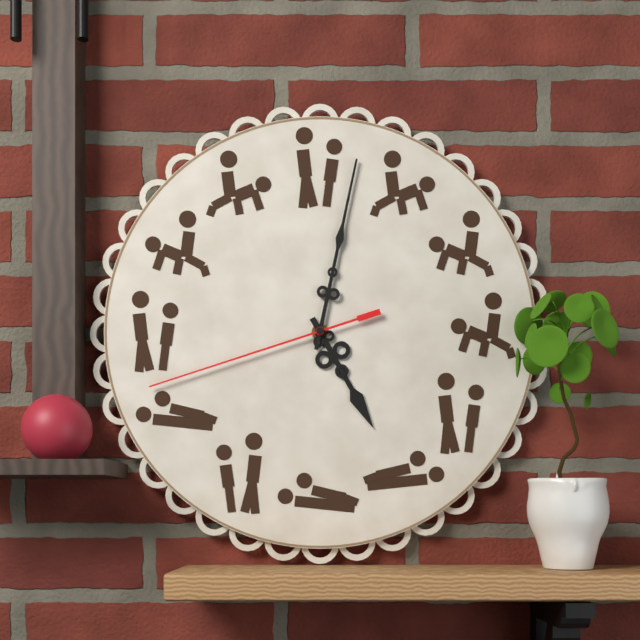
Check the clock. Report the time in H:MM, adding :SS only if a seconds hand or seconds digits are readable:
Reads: 5:02:42
